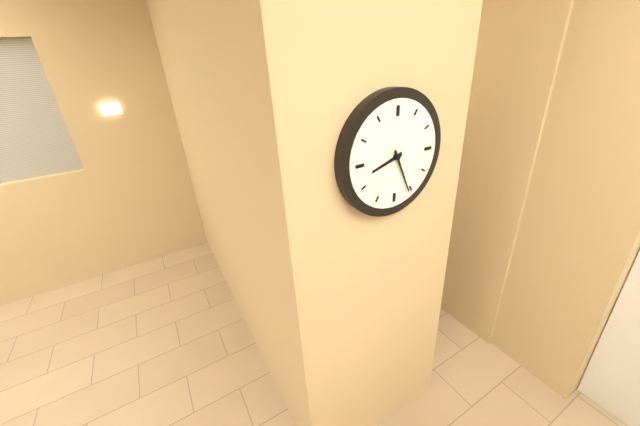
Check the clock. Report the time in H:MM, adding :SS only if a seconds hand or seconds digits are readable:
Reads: 8:26
